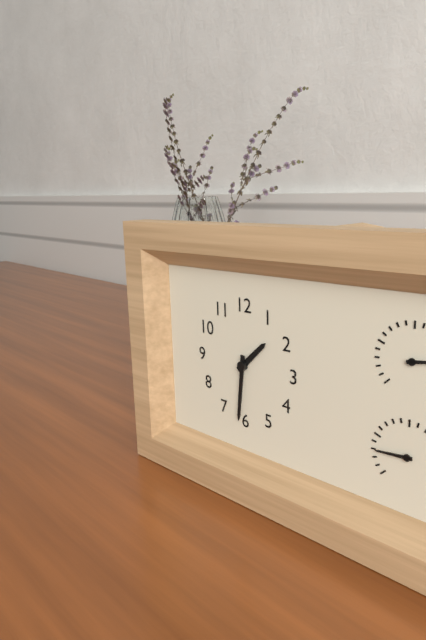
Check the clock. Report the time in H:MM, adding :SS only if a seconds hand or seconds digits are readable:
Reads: 1:31
